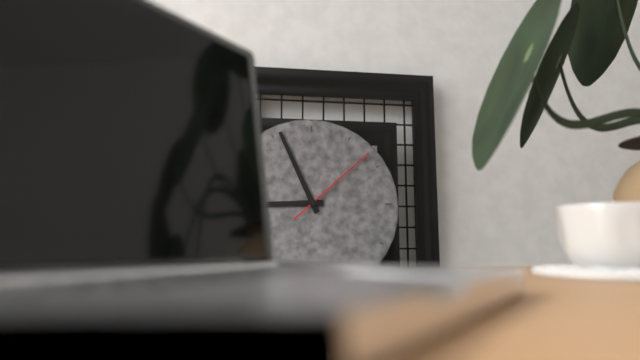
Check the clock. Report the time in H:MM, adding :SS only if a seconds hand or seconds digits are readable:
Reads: 8:56:08
